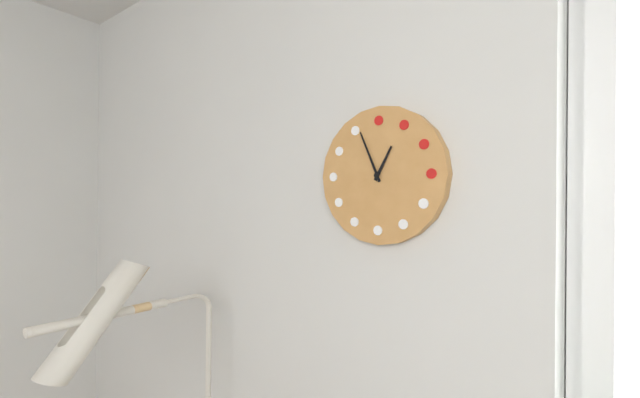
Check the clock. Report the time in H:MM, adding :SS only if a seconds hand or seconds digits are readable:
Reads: 12:56
